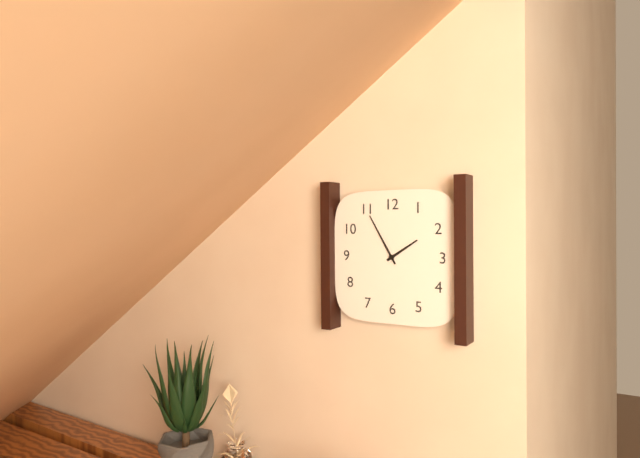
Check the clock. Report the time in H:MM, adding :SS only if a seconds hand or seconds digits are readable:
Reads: 1:55
